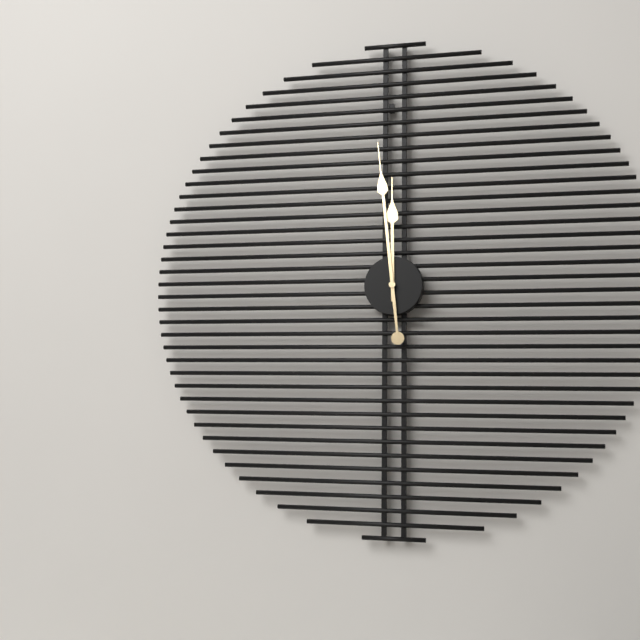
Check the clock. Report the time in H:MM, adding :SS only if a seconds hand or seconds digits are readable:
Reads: 11:59
